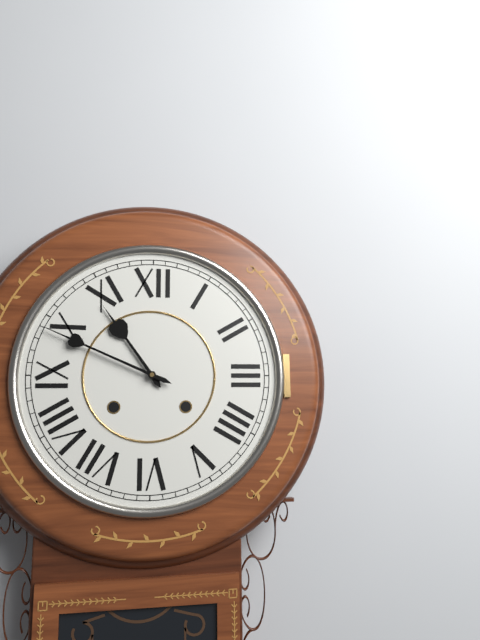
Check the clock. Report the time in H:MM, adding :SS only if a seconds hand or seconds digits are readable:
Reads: 10:49
